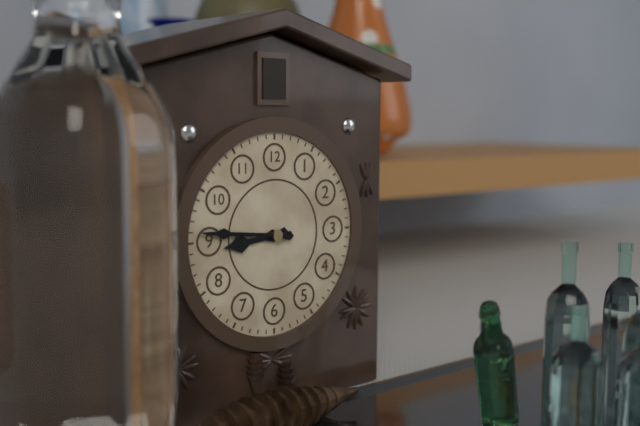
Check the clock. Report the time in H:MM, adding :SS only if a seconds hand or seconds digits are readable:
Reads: 8:46
